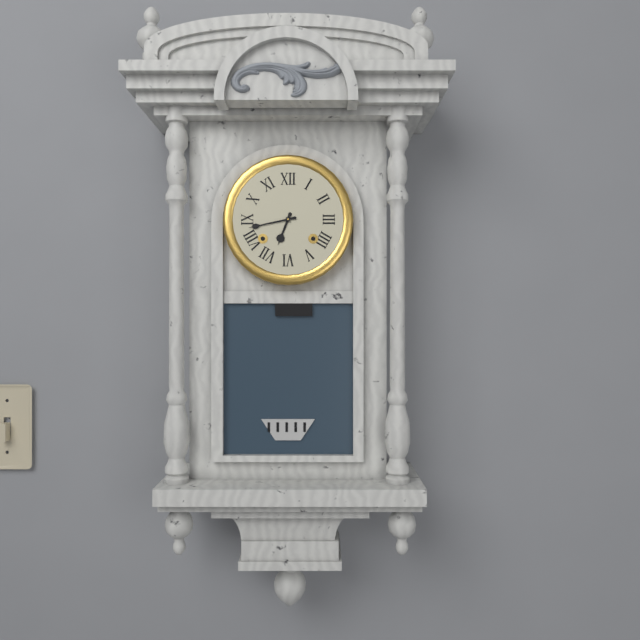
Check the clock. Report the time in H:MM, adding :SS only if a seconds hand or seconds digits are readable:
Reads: 6:43
